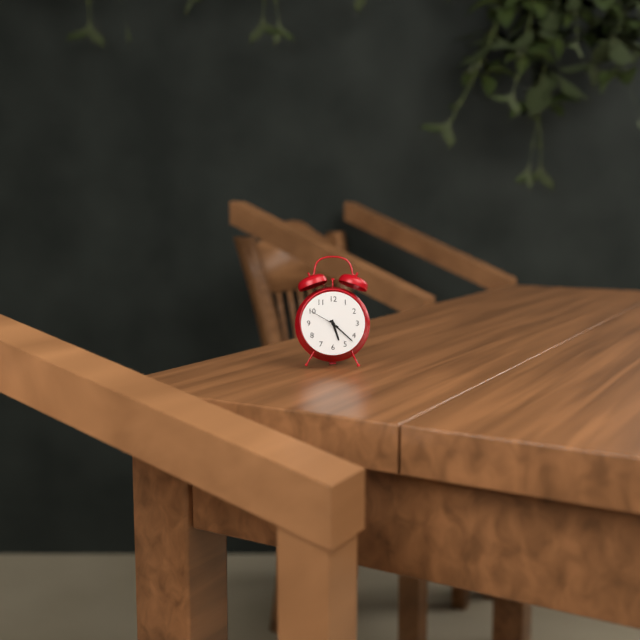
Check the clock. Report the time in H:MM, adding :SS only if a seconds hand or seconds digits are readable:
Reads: 5:22
